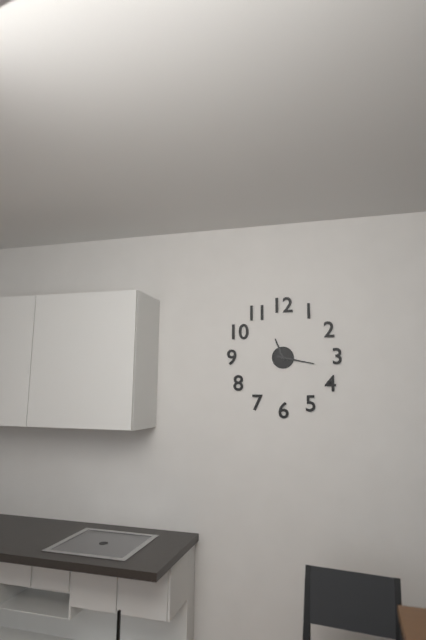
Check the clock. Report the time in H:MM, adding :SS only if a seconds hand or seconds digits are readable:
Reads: 11:17
